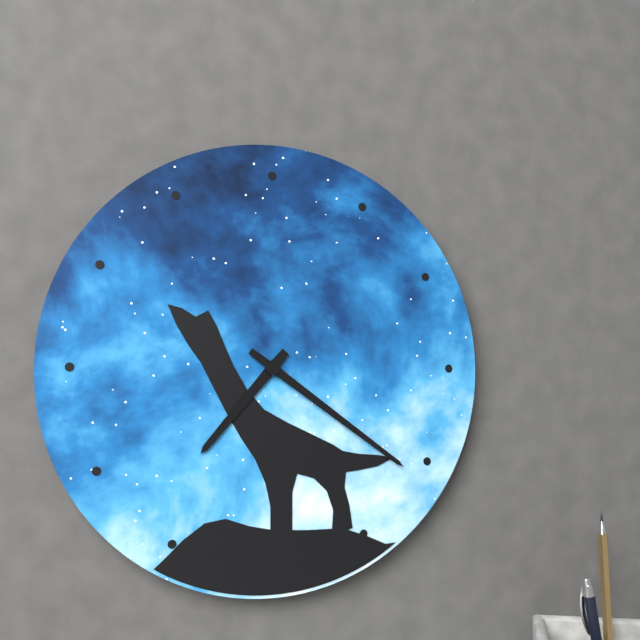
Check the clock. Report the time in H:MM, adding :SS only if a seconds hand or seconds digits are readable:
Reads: 7:21
